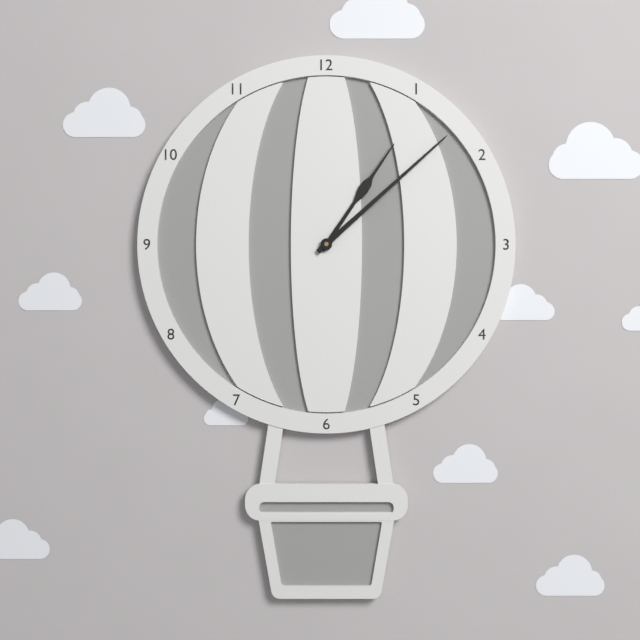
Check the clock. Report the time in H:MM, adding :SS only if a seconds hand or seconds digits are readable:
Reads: 1:08
